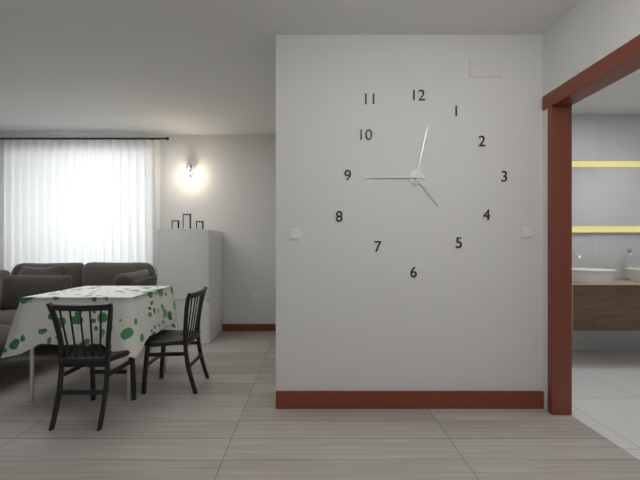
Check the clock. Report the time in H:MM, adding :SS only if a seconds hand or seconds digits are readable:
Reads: 4:45:02
